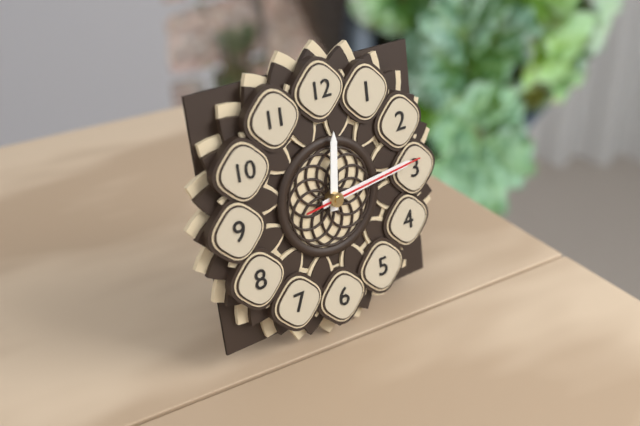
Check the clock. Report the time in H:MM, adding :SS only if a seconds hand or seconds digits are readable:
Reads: 12:14:14
